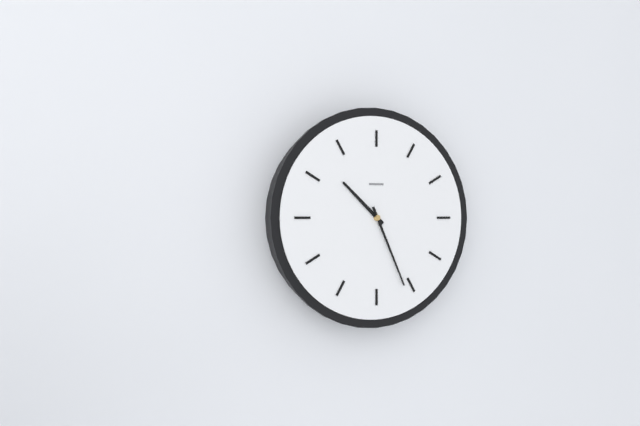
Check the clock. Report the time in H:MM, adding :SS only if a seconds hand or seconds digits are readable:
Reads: 10:26
